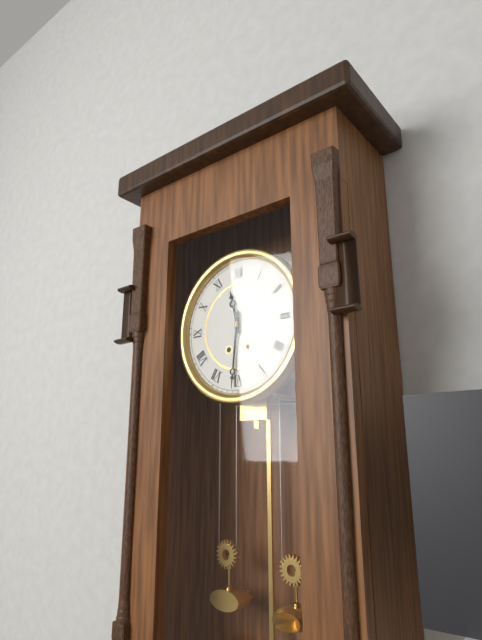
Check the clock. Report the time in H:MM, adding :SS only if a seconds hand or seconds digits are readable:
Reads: 11:31
